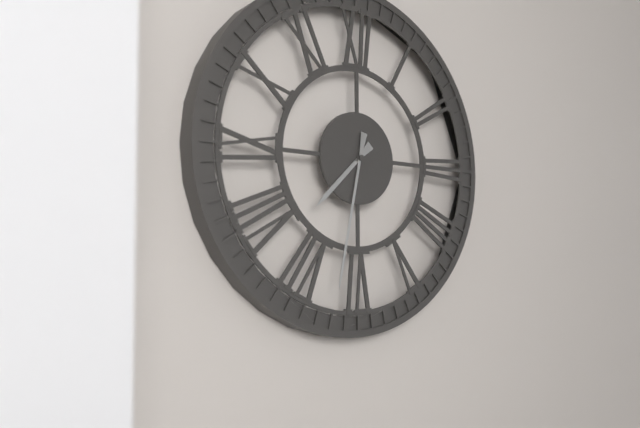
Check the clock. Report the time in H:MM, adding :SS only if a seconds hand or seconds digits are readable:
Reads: 7:32
